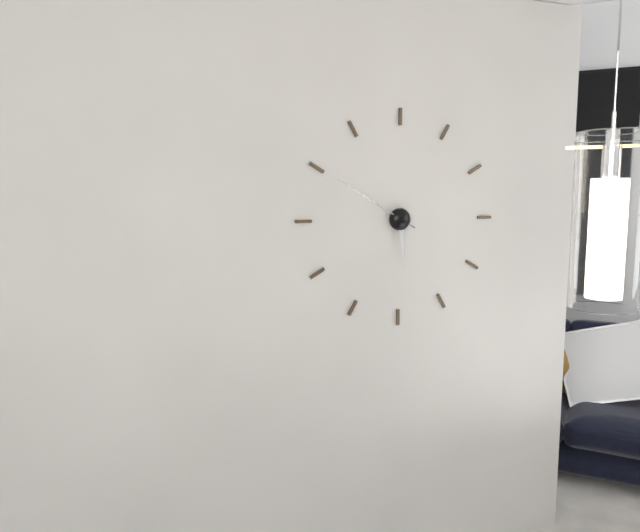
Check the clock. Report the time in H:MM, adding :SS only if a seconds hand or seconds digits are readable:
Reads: 5:50
